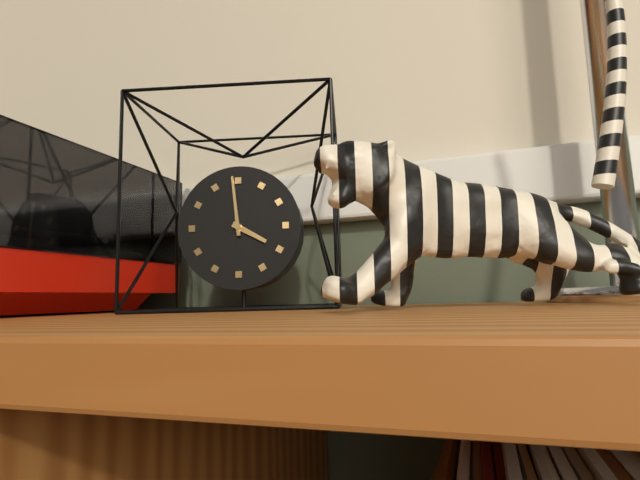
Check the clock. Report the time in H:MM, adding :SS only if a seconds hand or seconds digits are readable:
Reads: 3:59
